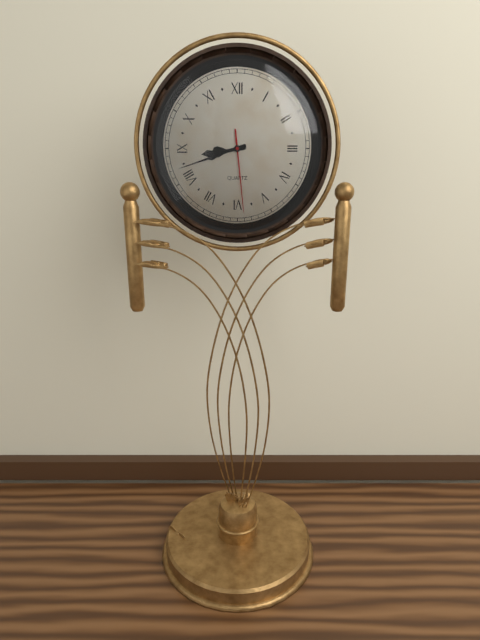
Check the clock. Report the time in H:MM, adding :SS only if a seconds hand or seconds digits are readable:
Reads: 8:42:29
